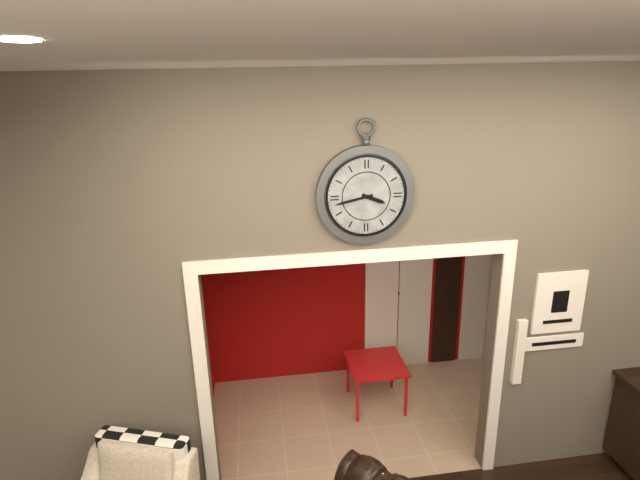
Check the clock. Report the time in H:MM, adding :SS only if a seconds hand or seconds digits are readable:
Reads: 3:43
